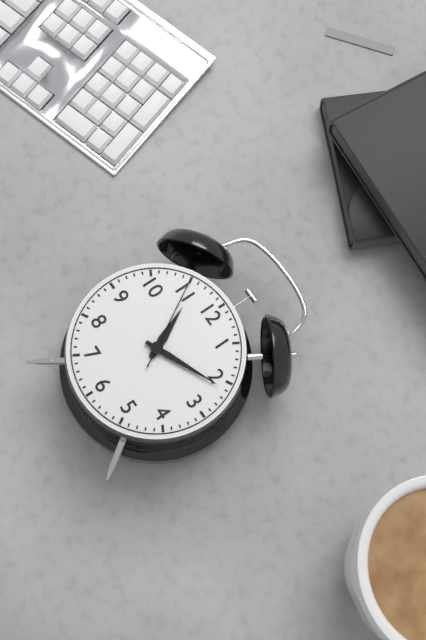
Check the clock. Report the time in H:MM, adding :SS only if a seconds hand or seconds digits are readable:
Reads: 11:11:55
